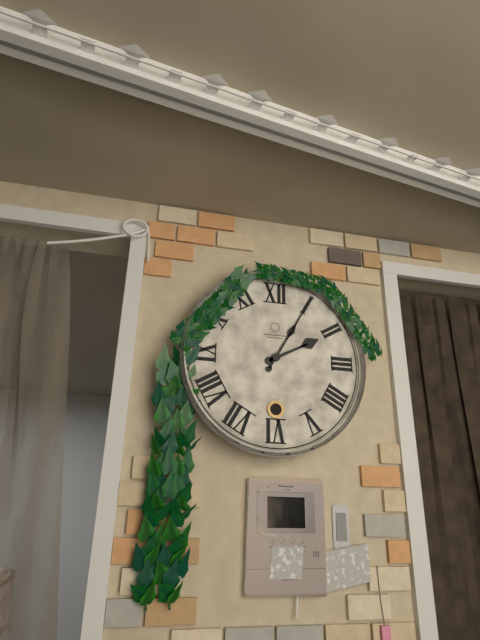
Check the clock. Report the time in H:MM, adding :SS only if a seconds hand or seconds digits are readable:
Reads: 2:05
